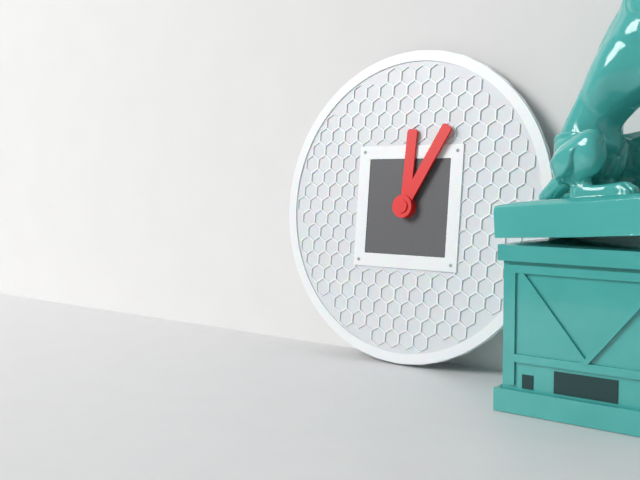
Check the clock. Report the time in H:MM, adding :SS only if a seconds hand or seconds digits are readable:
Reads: 12:05
